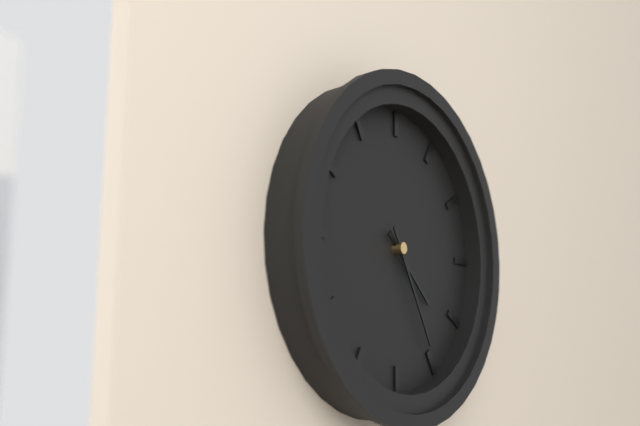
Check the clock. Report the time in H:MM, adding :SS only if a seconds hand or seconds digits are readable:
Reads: 4:25
